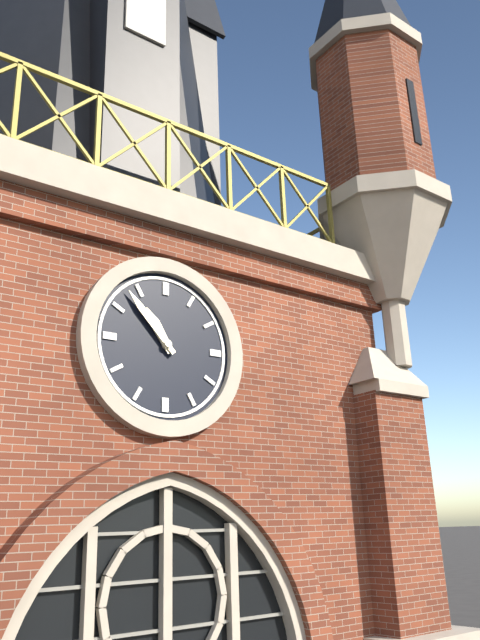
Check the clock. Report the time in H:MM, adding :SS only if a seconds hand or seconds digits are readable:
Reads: 10:53
